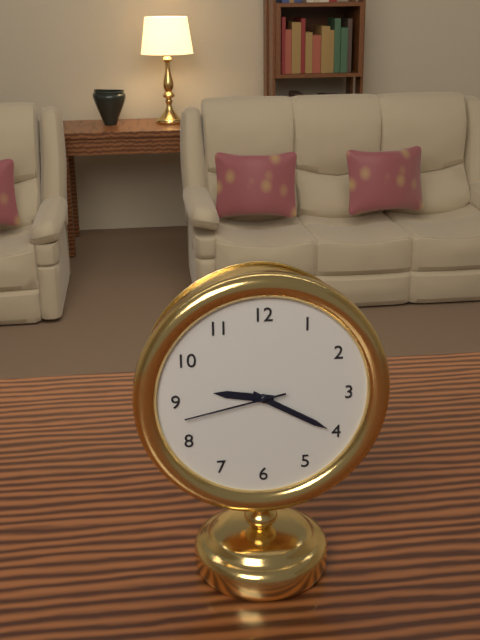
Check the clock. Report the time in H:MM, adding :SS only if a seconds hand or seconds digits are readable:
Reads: 9:20:43
